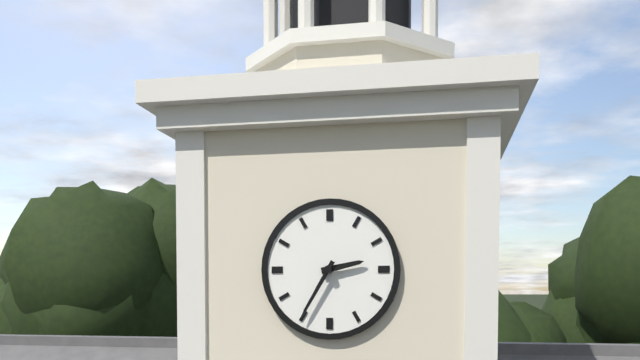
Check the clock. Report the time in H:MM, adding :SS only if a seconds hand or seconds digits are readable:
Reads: 2:35
